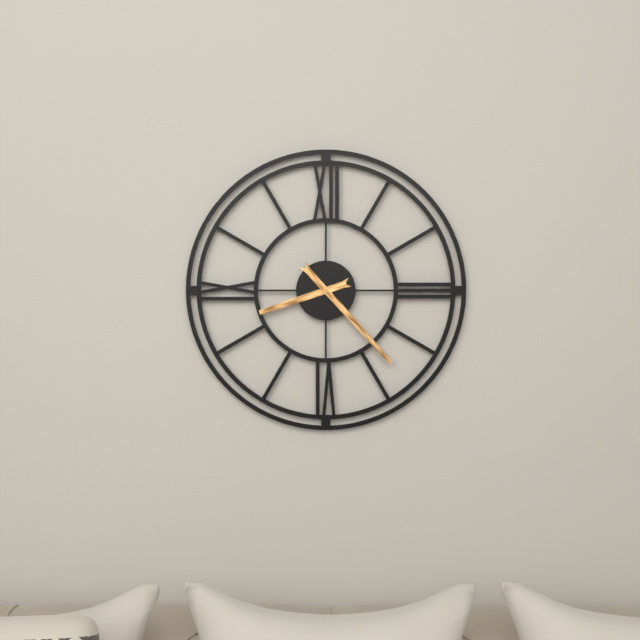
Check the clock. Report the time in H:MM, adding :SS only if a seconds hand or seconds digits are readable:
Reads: 8:23
